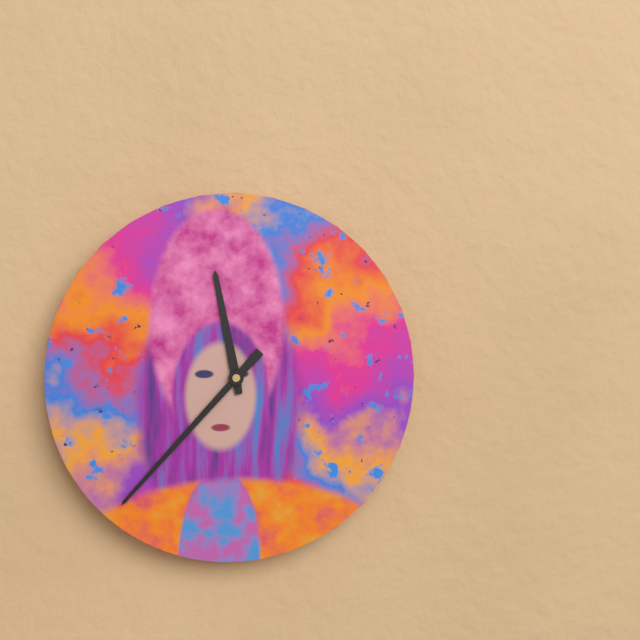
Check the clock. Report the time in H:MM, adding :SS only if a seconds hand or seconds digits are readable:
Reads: 11:37
